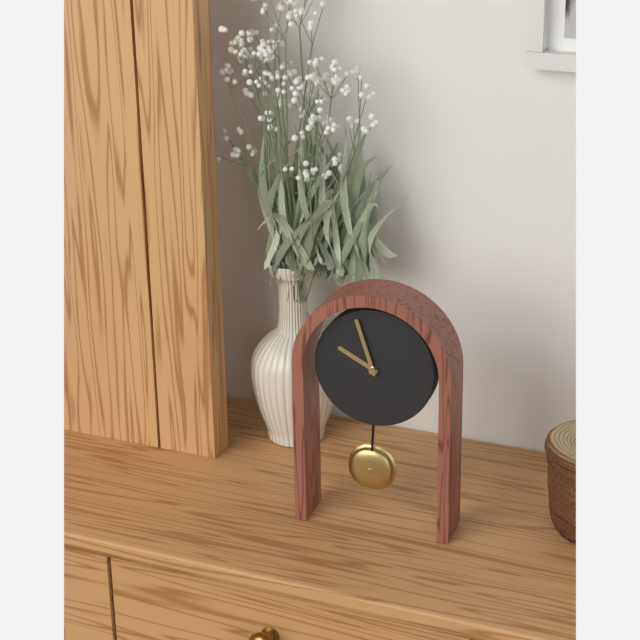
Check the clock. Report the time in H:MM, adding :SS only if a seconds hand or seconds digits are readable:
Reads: 9:57
